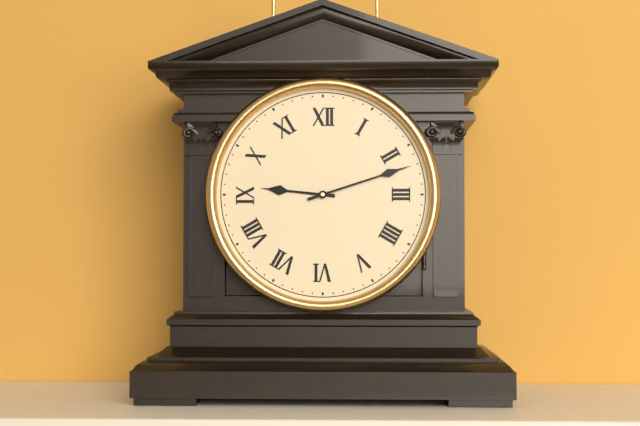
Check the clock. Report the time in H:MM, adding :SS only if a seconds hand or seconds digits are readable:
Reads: 9:12
